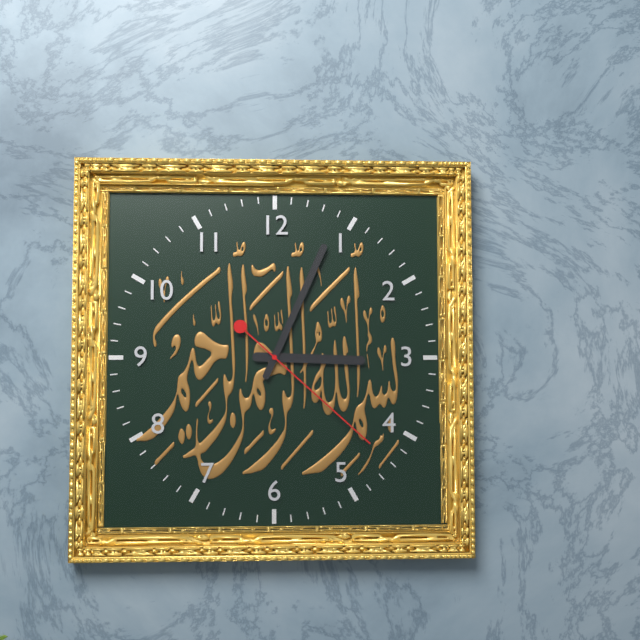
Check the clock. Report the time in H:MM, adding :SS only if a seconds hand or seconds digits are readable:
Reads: 3:04:22
